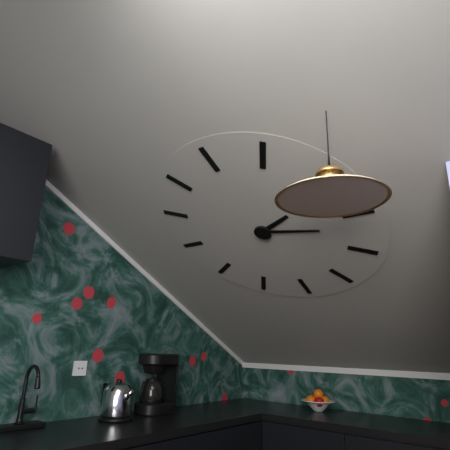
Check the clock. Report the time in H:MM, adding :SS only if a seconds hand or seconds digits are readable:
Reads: 2:17
